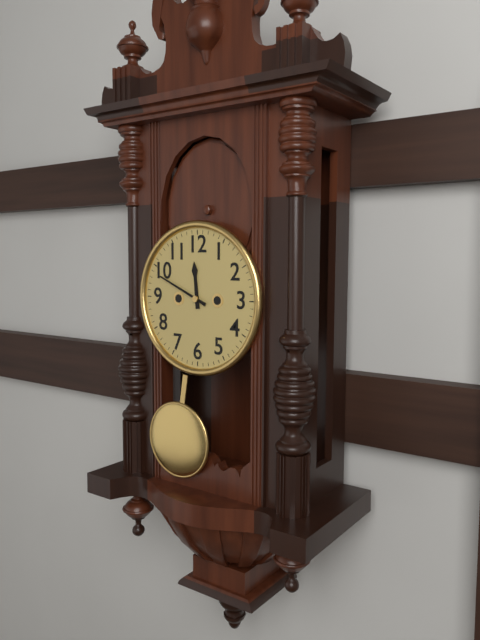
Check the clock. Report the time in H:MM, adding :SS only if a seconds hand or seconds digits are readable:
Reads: 11:49
